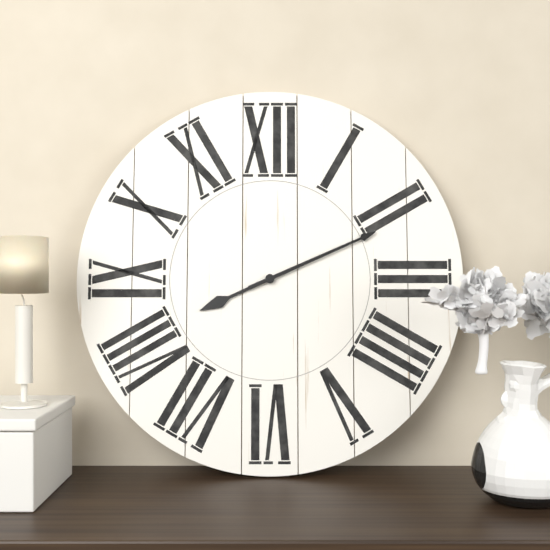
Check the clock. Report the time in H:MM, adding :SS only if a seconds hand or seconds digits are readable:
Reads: 8:11
